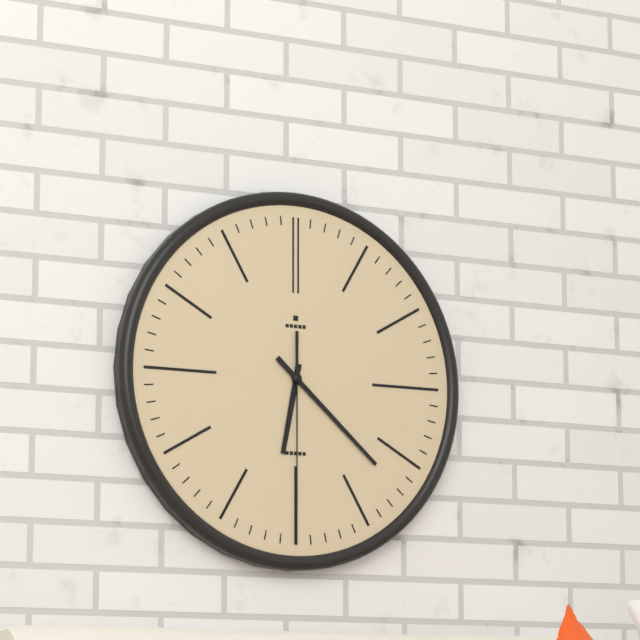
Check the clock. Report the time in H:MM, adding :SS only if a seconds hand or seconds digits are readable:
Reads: 6:22:30
